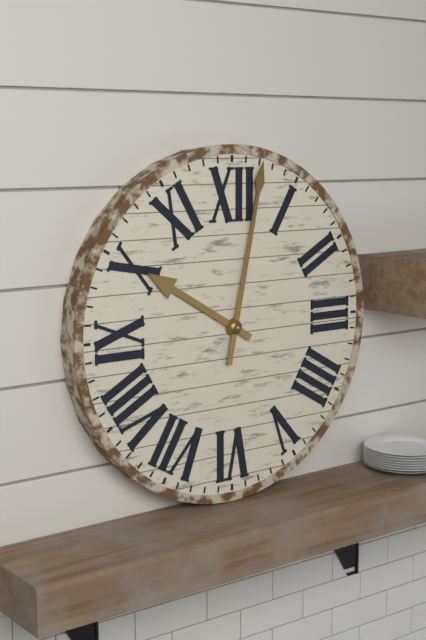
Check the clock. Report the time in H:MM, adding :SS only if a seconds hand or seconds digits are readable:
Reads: 10:02
